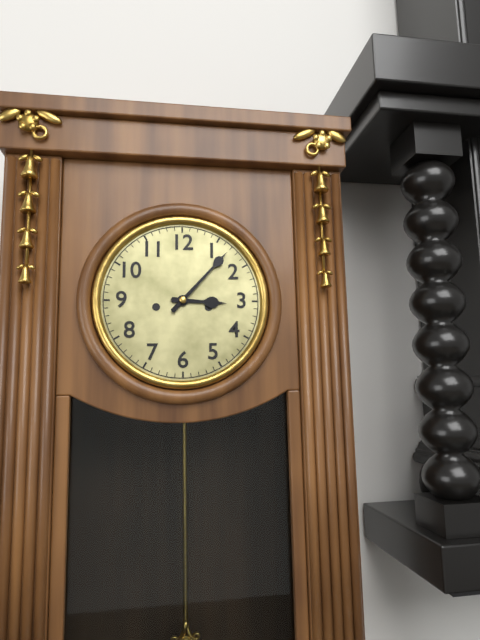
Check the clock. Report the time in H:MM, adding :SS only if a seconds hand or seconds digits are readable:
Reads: 3:07
